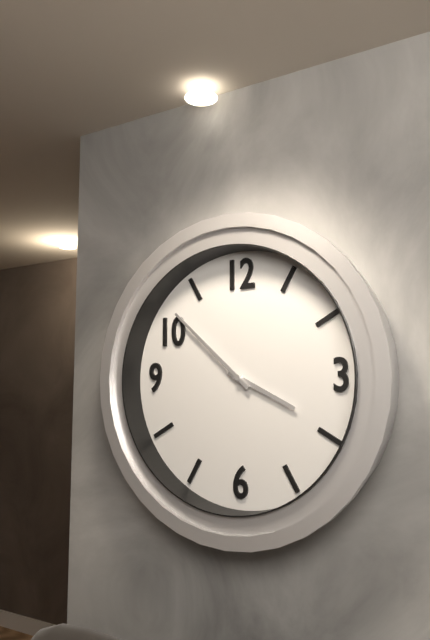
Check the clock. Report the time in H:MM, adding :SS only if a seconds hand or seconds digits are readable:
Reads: 3:52
